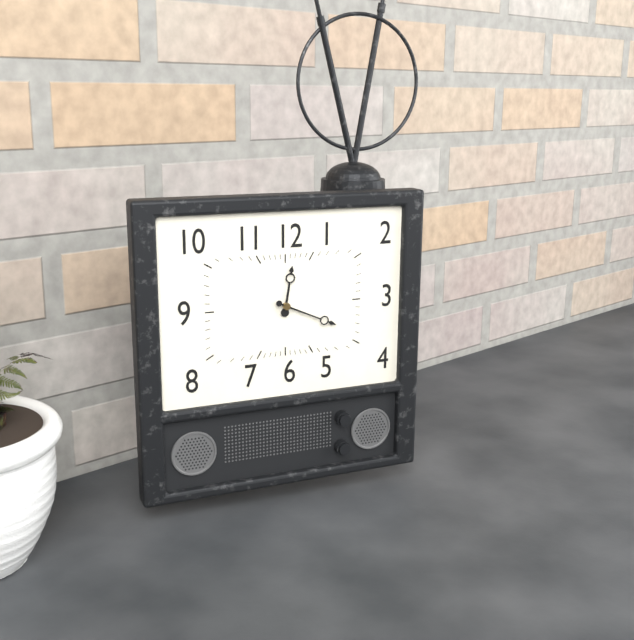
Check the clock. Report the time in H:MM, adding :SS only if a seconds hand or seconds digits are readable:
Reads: 12:19
